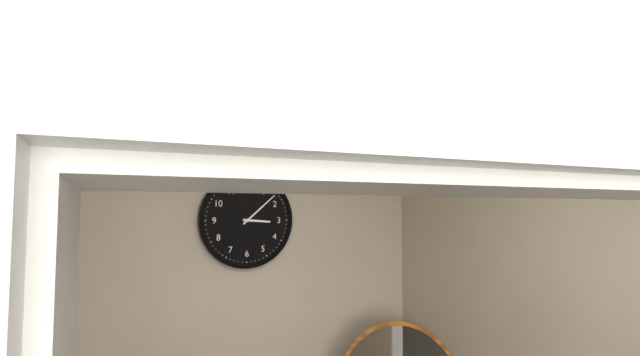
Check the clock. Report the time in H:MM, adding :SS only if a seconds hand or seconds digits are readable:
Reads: 3:08
